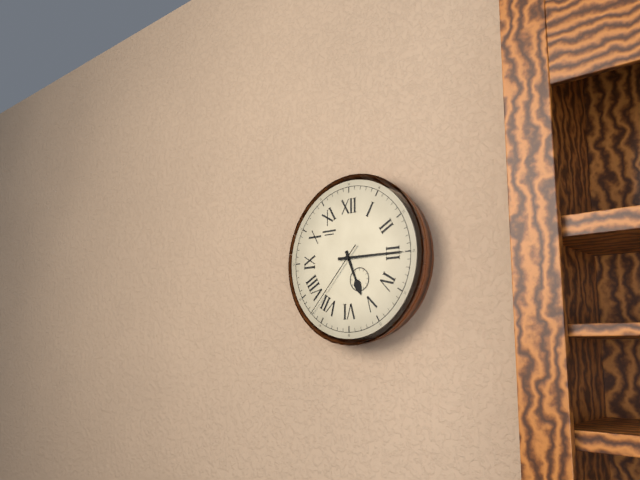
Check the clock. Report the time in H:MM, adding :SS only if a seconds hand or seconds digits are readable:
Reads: 5:15:37
